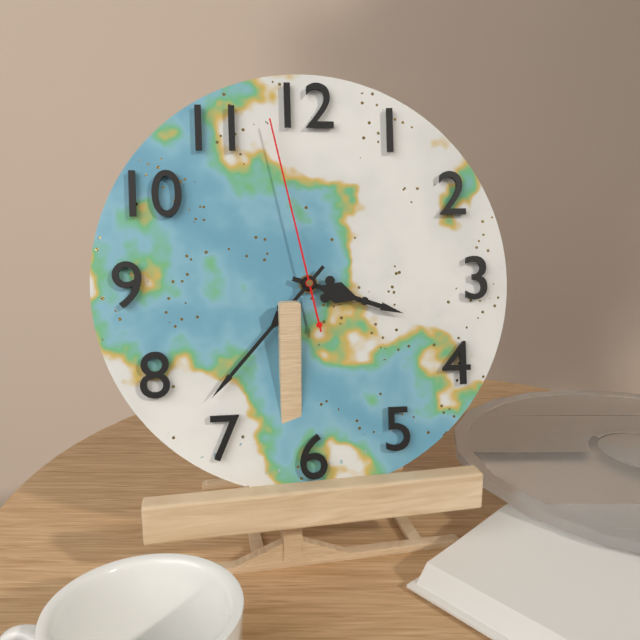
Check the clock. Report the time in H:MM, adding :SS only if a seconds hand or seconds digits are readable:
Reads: 3:37:58
